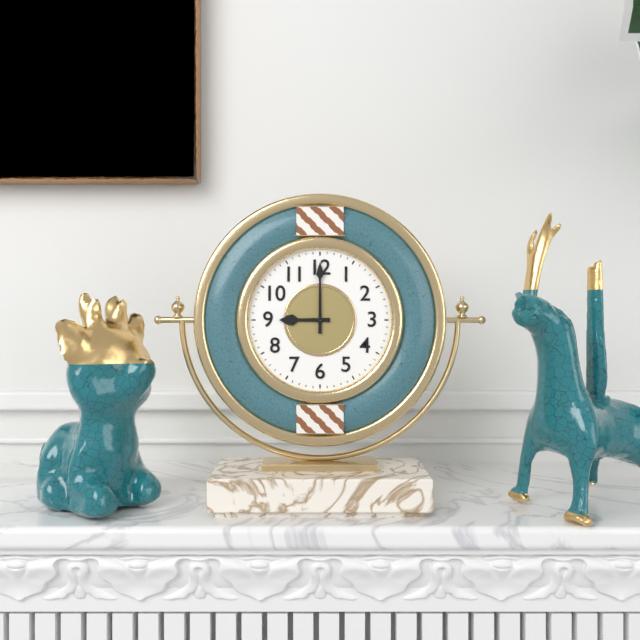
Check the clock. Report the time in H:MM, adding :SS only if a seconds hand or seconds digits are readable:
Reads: 9:00
